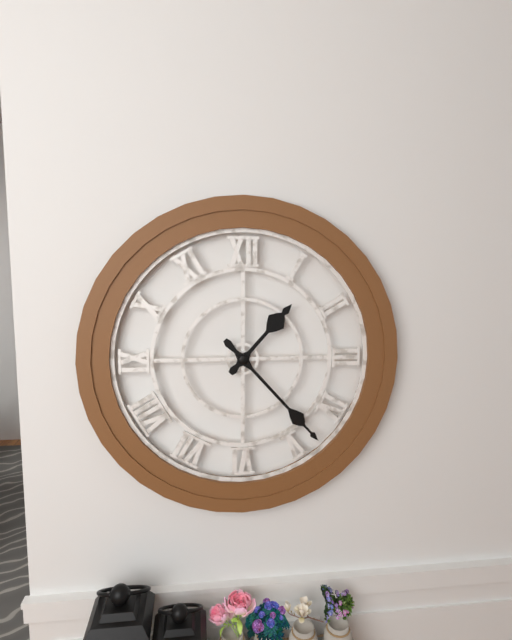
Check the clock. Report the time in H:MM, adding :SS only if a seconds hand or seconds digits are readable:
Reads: 1:23
